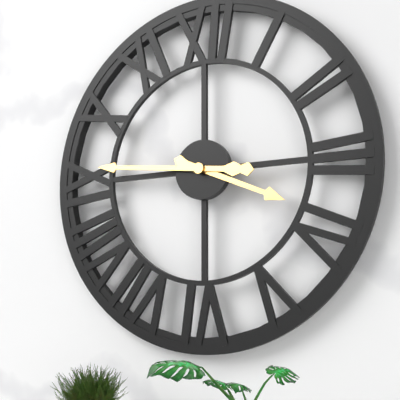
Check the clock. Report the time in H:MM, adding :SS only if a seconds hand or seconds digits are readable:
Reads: 3:46
